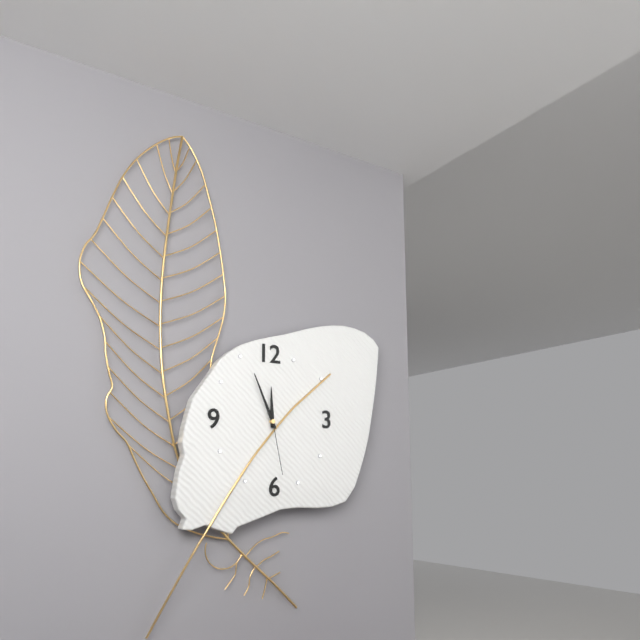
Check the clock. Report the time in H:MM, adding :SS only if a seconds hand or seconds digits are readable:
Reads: 11:56:28
